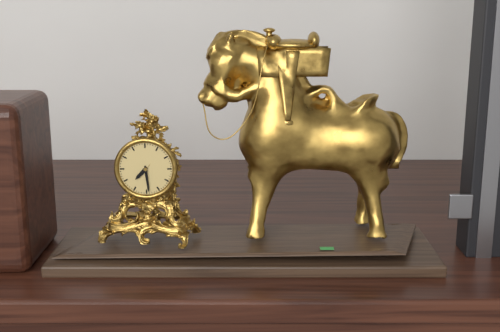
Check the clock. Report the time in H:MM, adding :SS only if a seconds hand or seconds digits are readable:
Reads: 7:29
